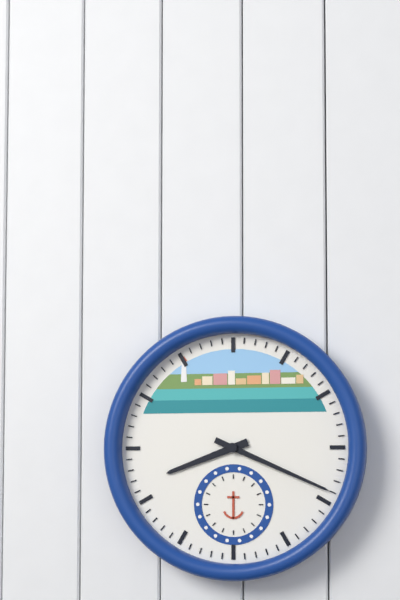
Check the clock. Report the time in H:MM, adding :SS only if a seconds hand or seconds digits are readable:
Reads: 8:19
